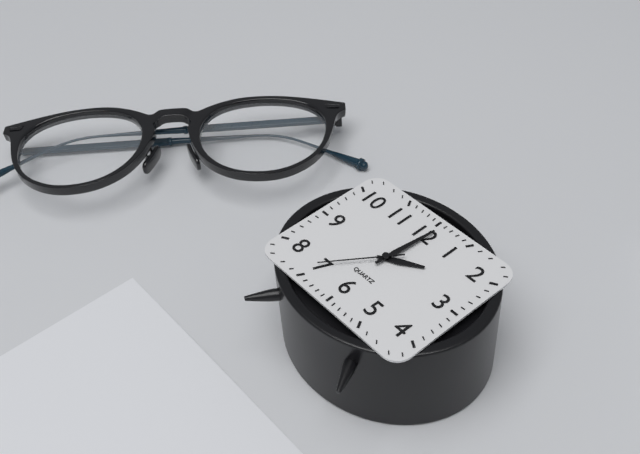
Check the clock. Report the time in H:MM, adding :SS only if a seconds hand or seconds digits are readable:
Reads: 2:01:36
